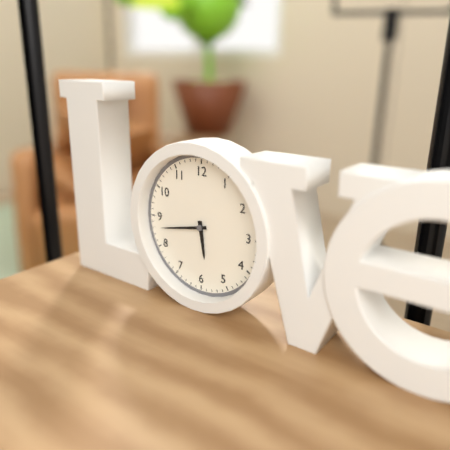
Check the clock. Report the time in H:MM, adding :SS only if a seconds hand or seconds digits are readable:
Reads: 5:43
